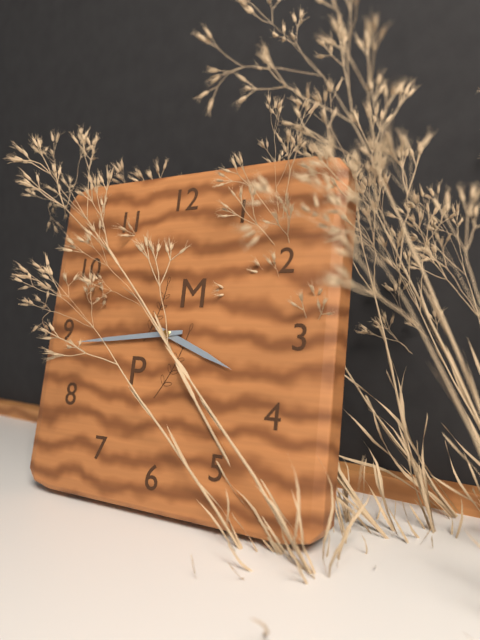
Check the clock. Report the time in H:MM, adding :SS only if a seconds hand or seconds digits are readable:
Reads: 3:44
